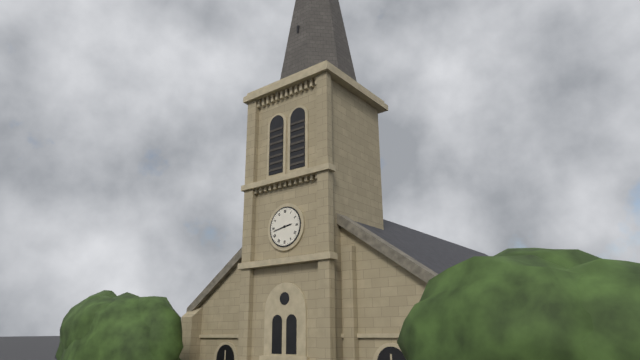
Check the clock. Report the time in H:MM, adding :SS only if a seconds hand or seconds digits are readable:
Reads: 2:43
